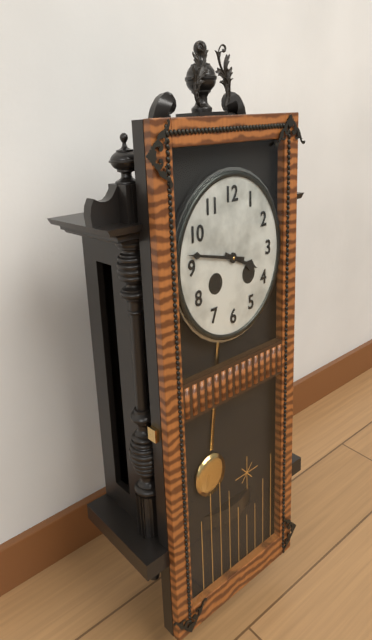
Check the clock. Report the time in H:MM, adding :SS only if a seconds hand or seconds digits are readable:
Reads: 3:47
